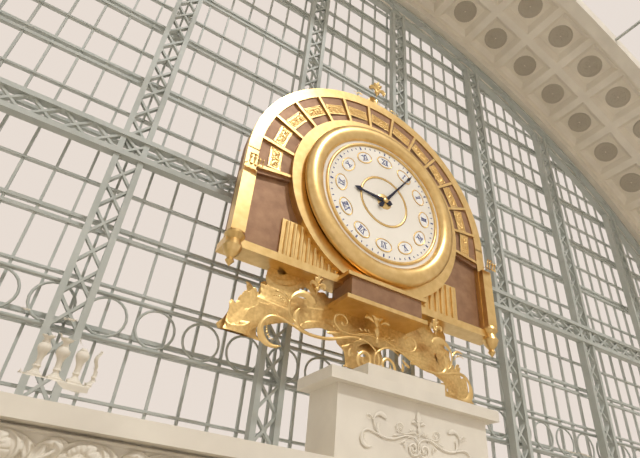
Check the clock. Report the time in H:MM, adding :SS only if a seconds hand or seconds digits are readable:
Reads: 9:06
